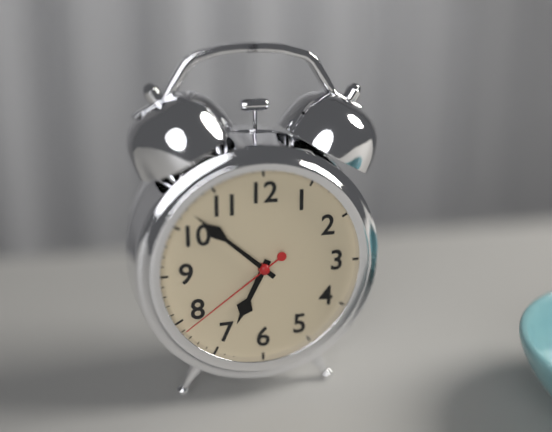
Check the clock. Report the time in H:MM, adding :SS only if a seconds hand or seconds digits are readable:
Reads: 6:52:39
